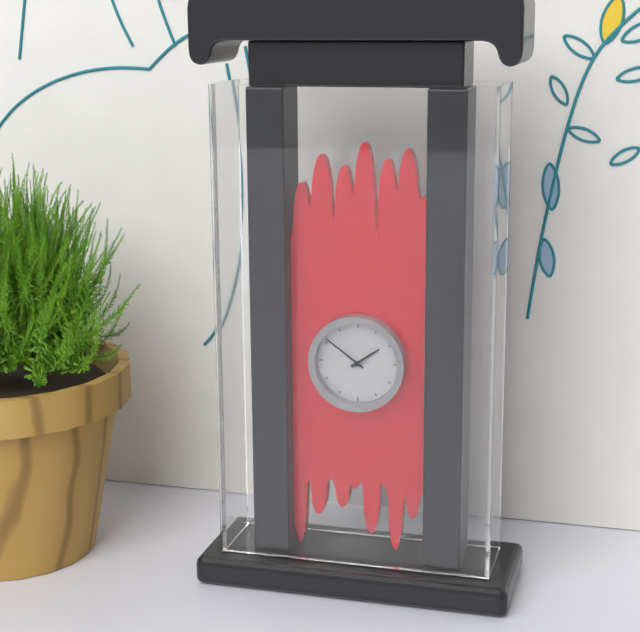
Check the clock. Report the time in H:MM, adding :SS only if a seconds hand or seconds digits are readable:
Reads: 1:51
